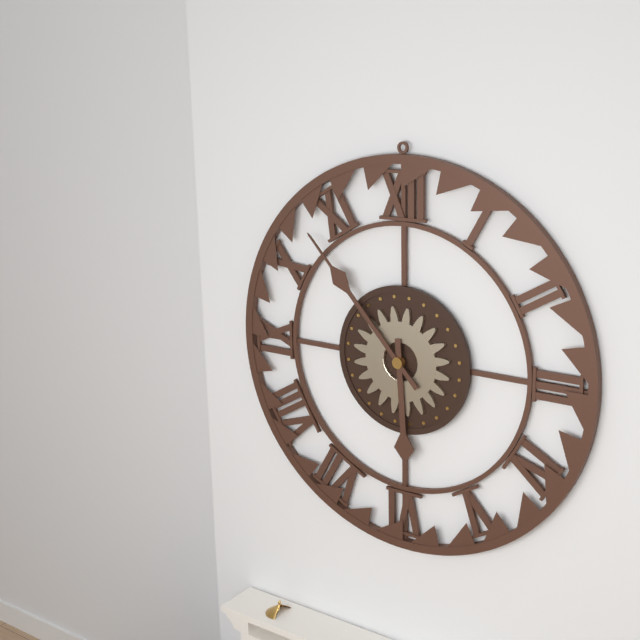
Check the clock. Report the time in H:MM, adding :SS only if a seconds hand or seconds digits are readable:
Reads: 5:53
